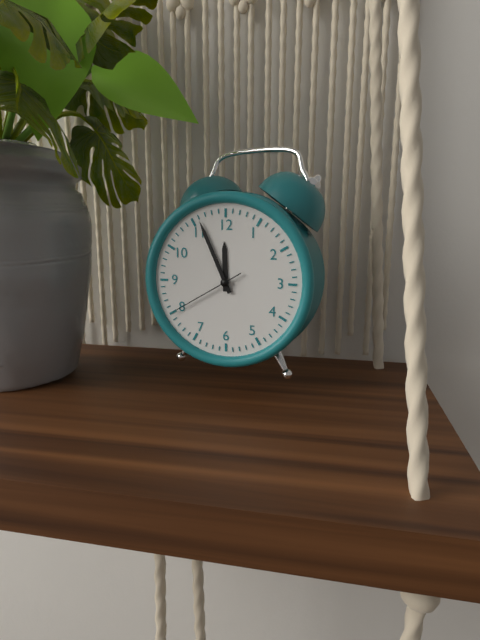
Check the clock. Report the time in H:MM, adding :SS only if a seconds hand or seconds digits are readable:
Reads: 11:56:40
